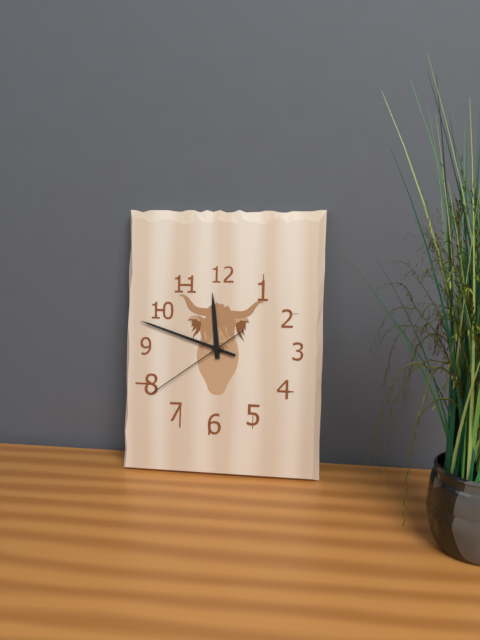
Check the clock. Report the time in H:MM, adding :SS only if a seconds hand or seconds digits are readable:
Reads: 11:48:39
